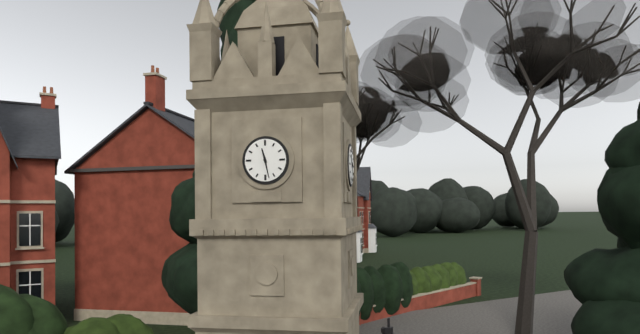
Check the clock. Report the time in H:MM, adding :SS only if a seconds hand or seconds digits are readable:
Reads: 11:28
